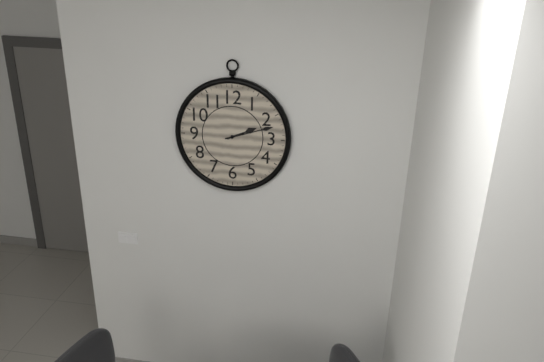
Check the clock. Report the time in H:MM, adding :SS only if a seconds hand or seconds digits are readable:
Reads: 2:12
